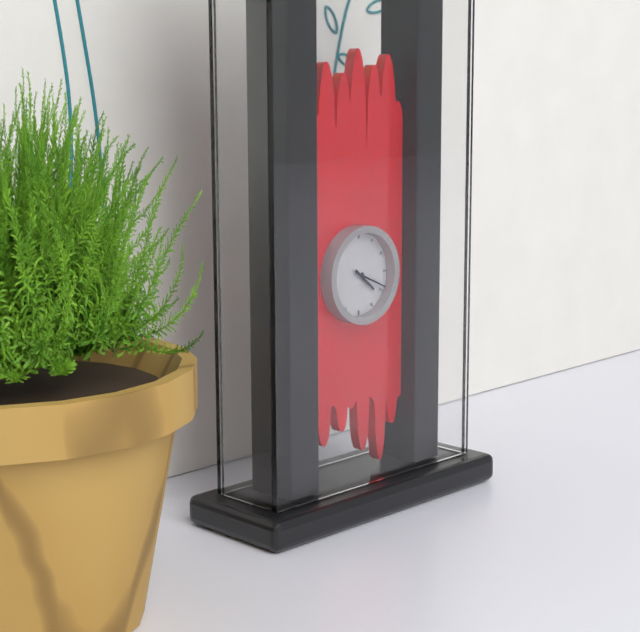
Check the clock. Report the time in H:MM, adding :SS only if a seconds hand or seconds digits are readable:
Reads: 4:19
